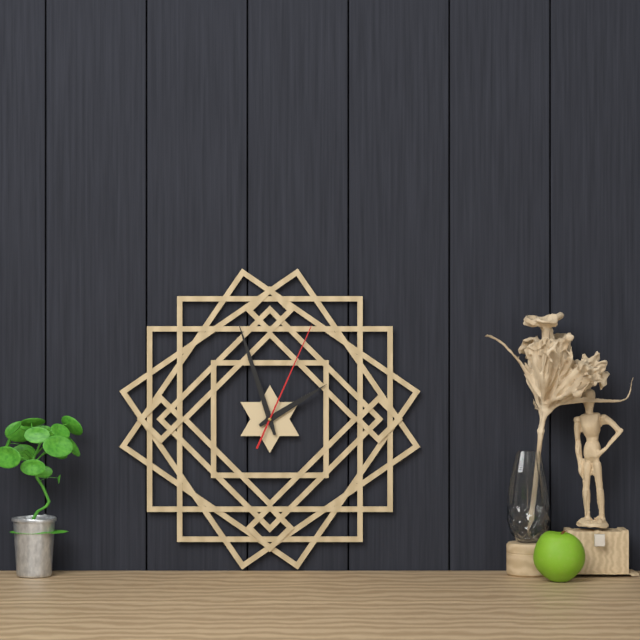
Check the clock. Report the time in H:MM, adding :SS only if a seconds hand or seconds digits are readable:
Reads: 1:57:04
